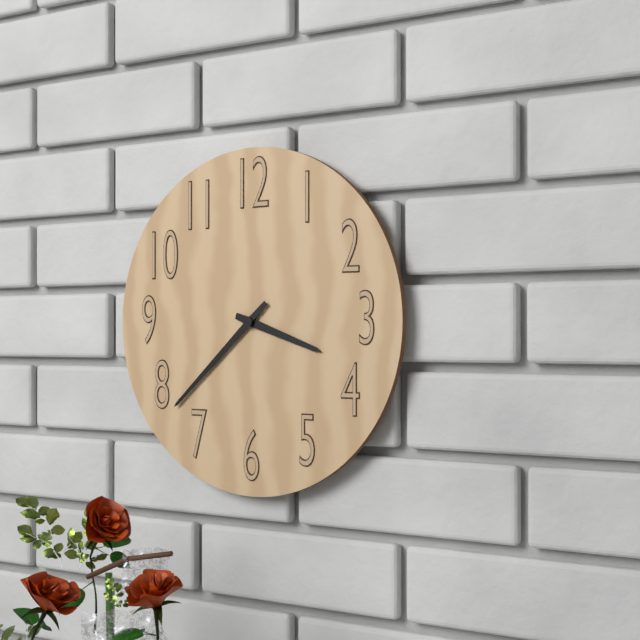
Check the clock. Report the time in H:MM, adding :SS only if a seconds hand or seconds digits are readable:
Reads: 3:38
